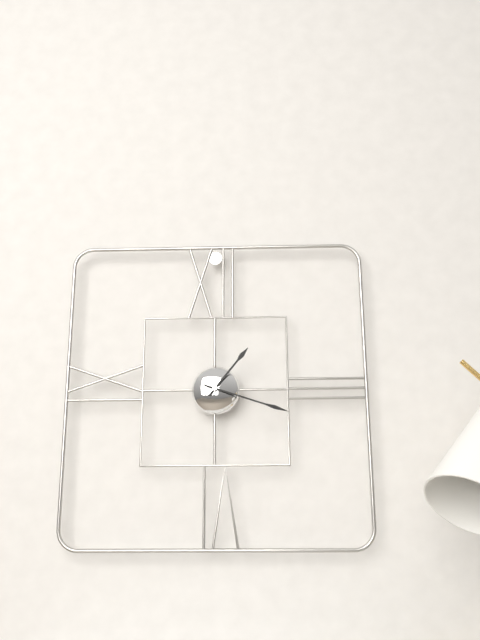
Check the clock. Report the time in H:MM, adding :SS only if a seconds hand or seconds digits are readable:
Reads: 1:18
